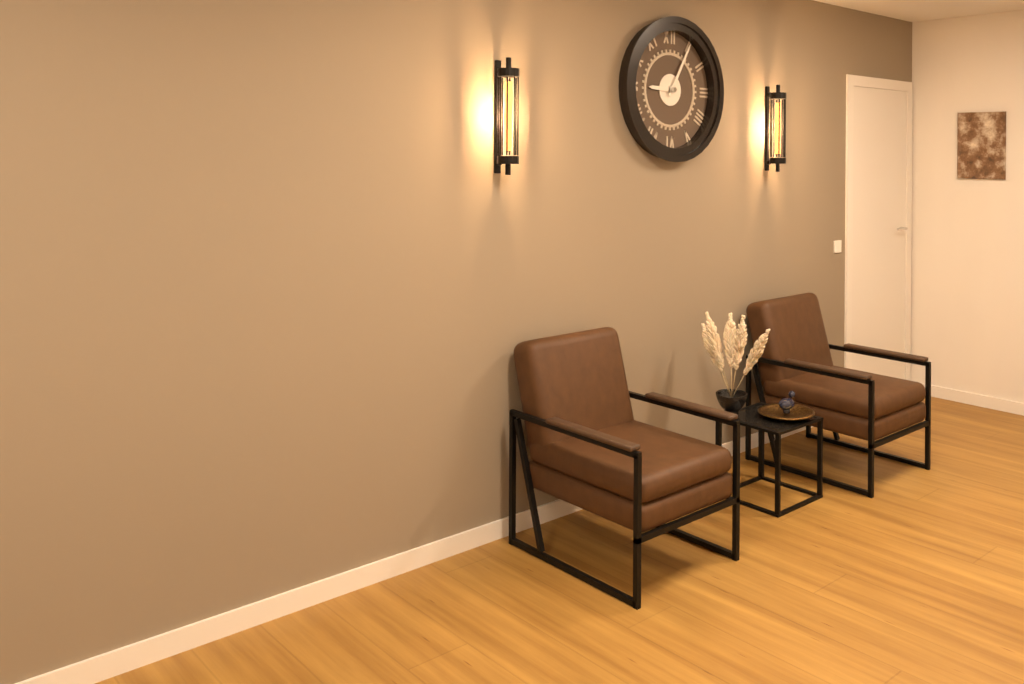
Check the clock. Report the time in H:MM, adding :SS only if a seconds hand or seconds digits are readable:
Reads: 9:05
